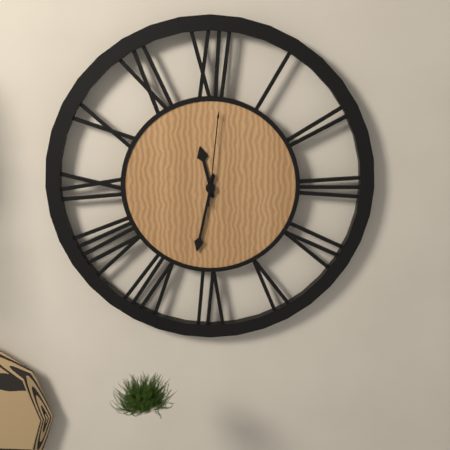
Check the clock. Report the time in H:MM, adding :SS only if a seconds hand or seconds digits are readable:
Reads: 11:32:01
